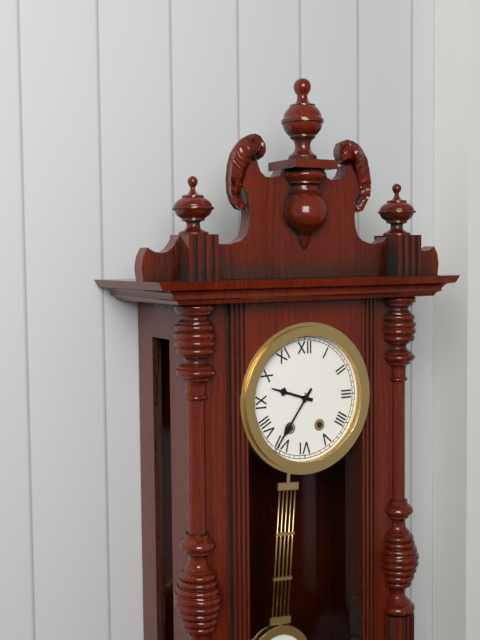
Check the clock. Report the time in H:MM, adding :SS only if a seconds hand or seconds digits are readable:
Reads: 9:36
